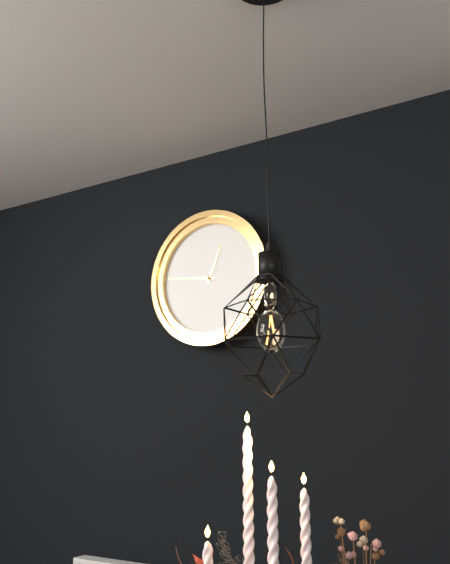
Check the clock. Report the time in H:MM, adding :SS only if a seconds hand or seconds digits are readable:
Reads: 12:46
